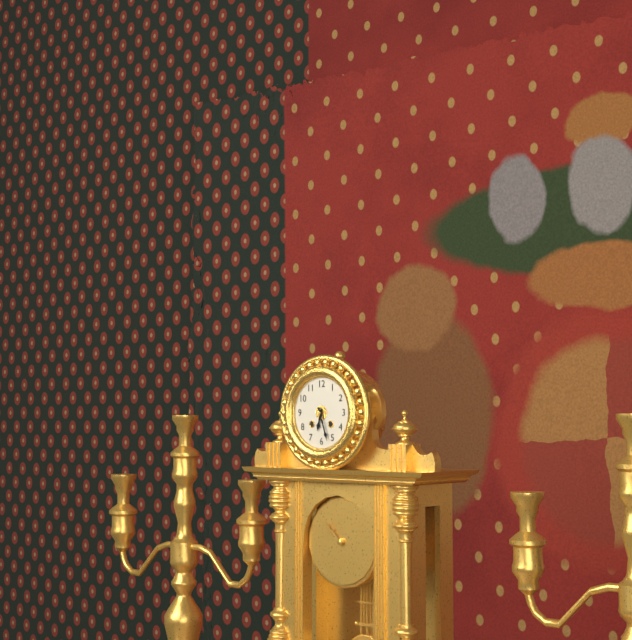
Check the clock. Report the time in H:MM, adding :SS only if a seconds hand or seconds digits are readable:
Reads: 6:27
